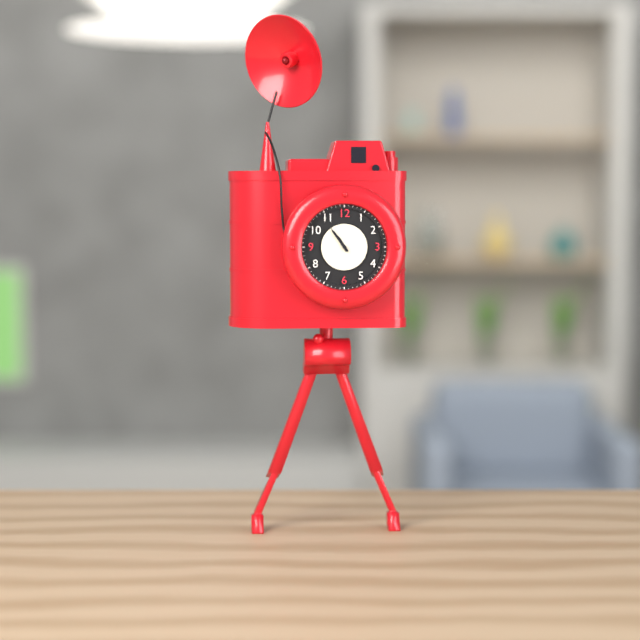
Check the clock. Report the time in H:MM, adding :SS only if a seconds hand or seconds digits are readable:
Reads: 10:54
